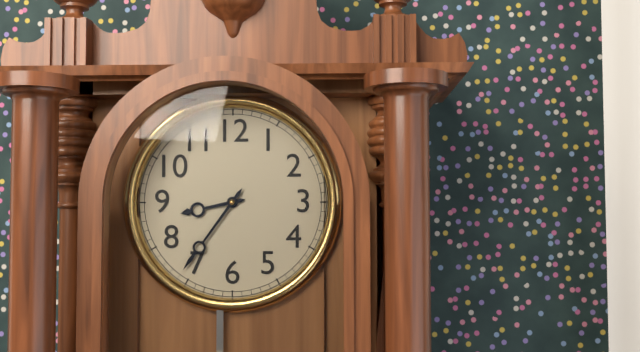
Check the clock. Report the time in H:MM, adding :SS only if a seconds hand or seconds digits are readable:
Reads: 8:36
